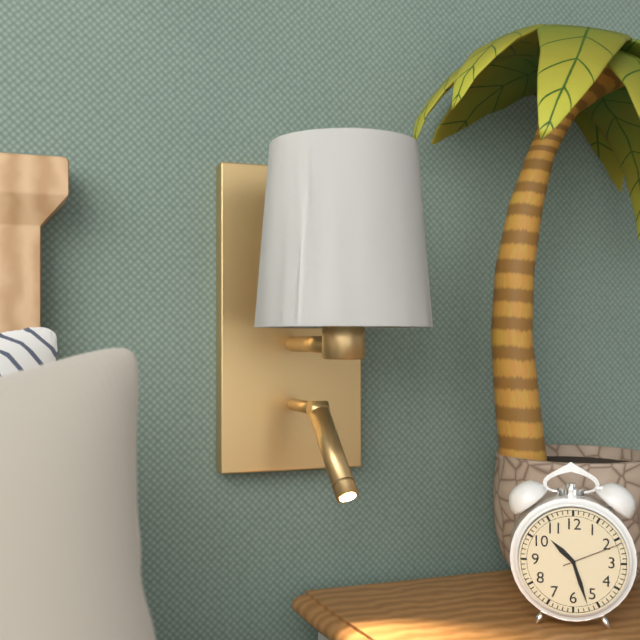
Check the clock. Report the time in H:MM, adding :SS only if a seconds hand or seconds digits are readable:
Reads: 10:27:11
